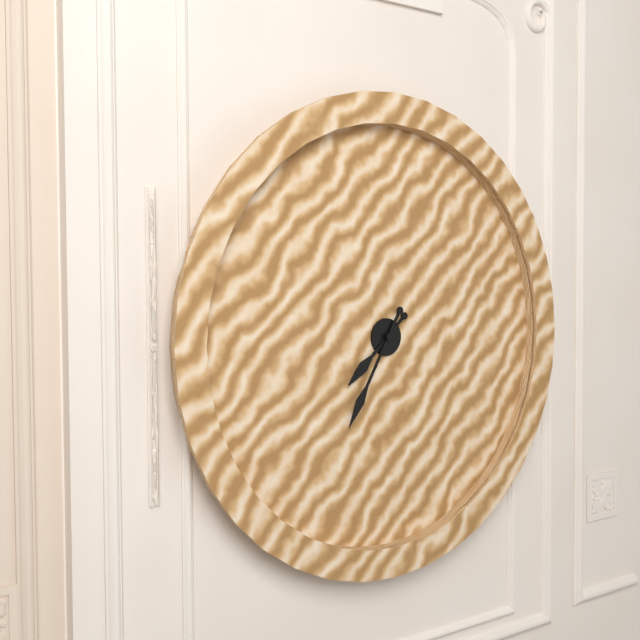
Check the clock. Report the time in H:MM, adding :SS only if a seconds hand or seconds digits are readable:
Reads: 7:35
